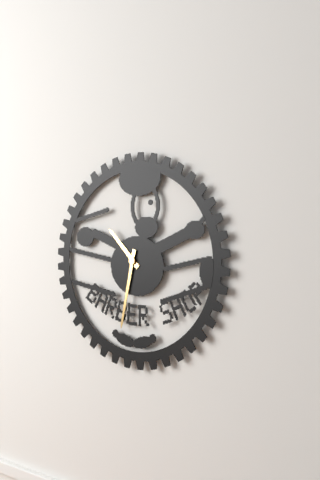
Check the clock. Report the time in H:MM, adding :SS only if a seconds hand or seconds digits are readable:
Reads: 10:32
